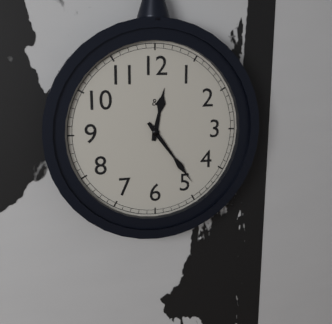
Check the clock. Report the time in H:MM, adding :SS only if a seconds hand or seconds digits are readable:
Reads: 12:24
